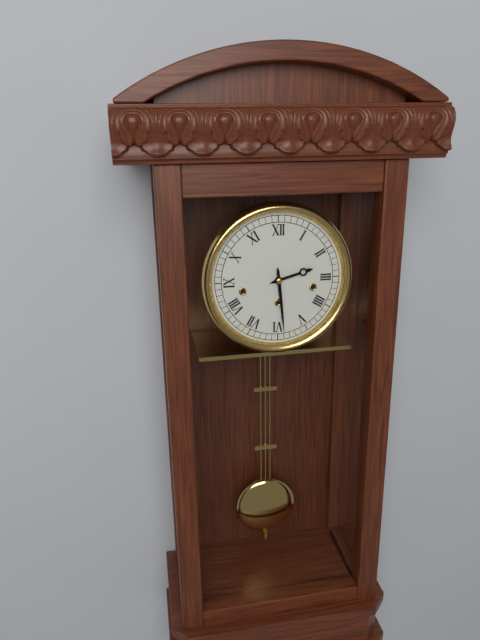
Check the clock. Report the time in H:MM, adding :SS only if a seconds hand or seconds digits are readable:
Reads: 2:29
